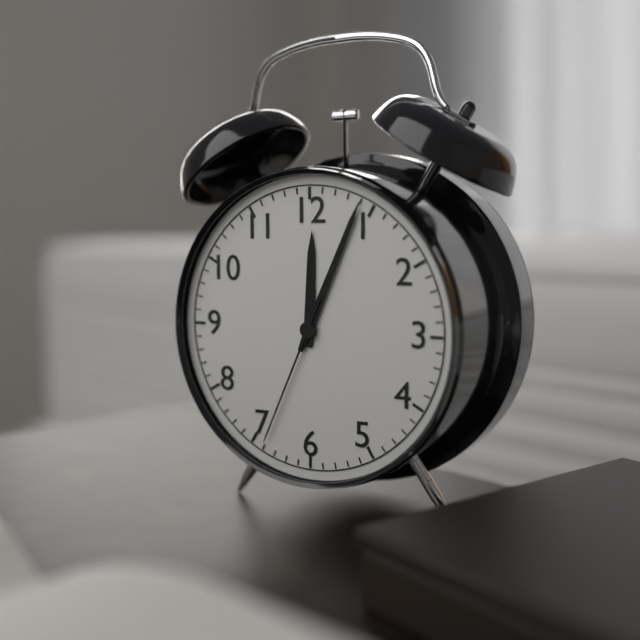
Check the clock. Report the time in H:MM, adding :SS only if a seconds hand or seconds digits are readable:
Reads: 12:04:34
